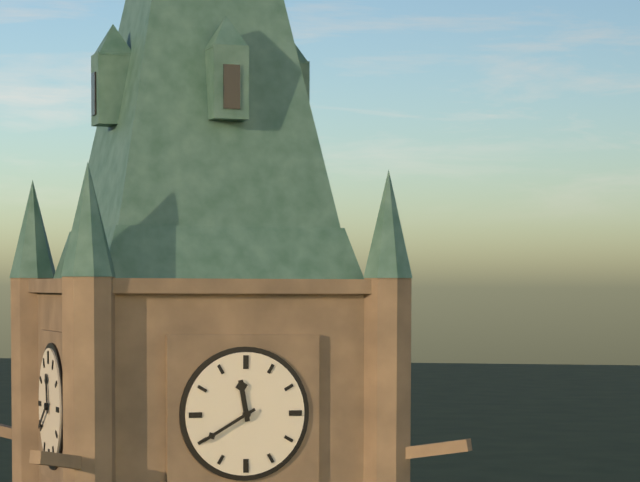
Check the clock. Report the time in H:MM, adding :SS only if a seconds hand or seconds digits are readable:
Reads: 11:40
